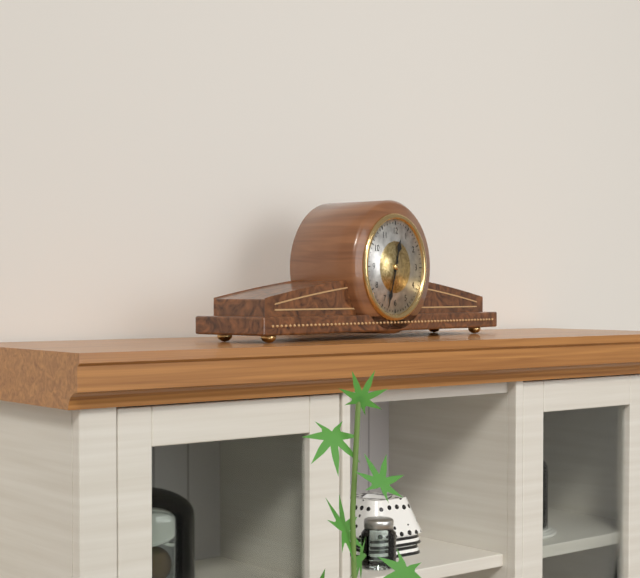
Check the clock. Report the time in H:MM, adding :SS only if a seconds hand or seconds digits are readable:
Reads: 12:33
